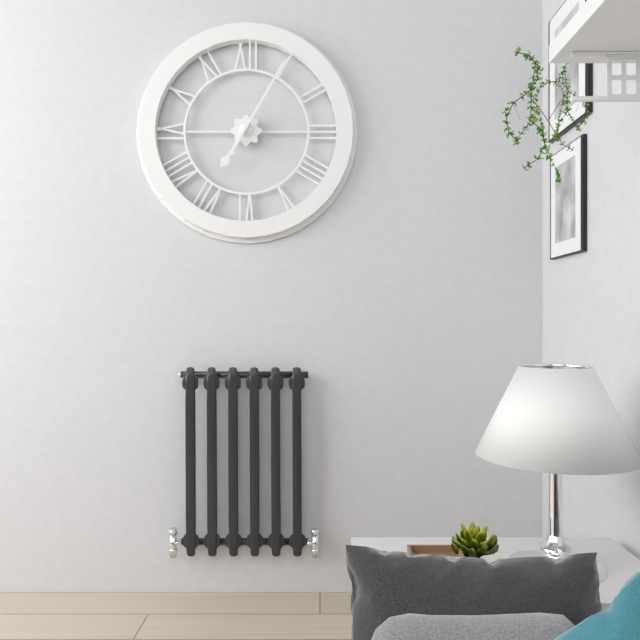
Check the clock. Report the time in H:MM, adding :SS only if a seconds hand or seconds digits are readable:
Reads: 7:05
